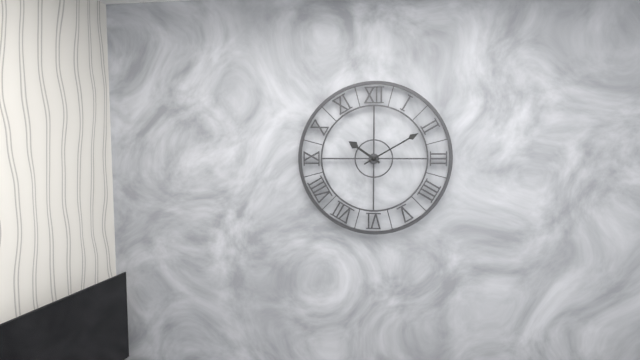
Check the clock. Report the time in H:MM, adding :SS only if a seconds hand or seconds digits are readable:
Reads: 10:10
